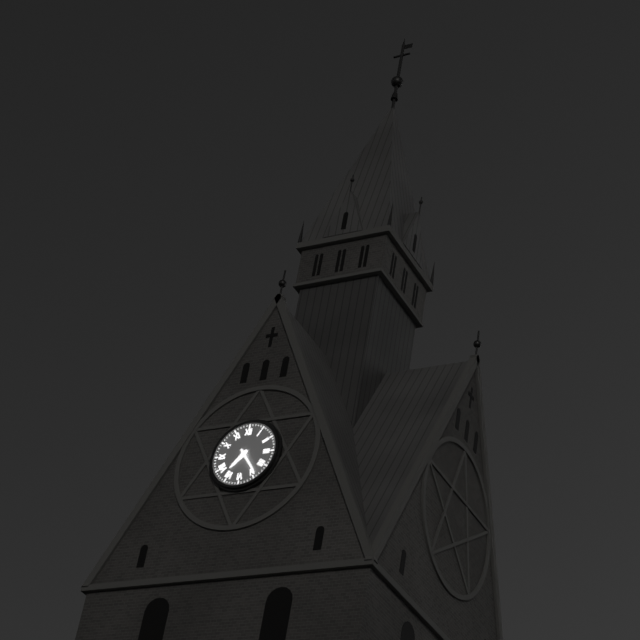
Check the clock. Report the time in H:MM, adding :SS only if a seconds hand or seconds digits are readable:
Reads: 7:24
